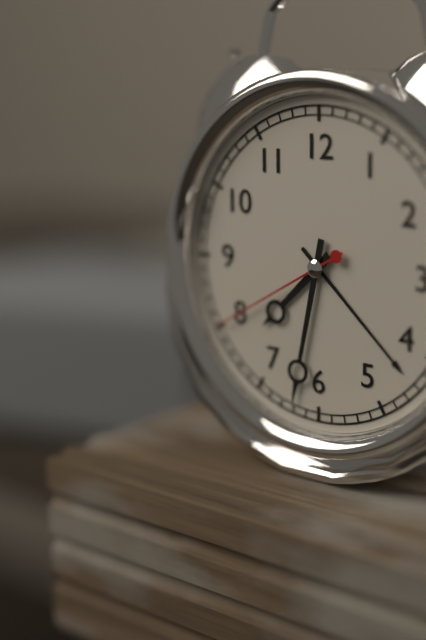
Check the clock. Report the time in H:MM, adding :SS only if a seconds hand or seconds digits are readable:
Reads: 7:32:40
